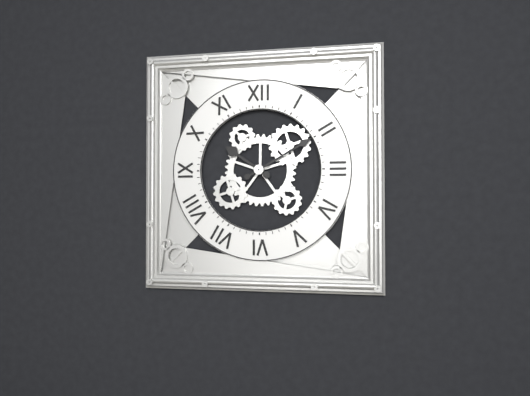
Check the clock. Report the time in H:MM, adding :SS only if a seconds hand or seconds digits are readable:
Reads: 10:10
